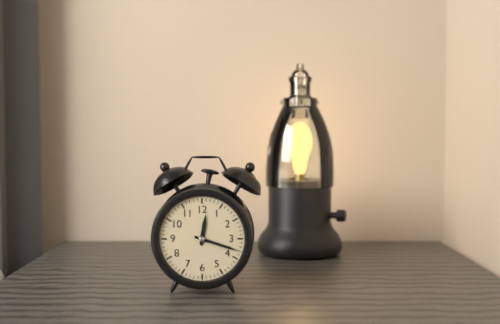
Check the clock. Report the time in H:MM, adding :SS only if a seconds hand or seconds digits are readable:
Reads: 12:18
